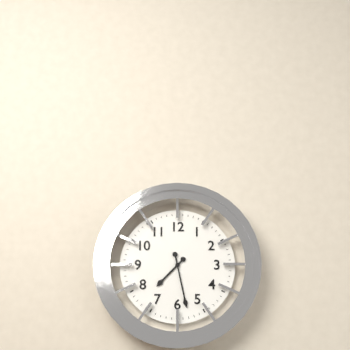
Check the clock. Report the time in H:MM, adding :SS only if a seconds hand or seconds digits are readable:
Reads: 7:28
